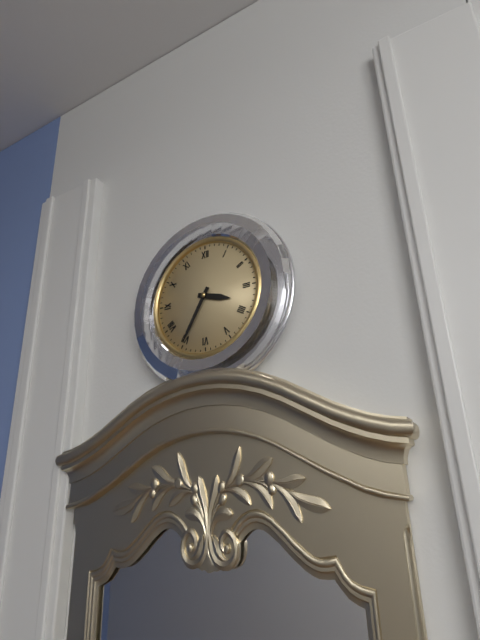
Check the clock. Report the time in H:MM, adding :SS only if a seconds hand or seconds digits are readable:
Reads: 3:35
